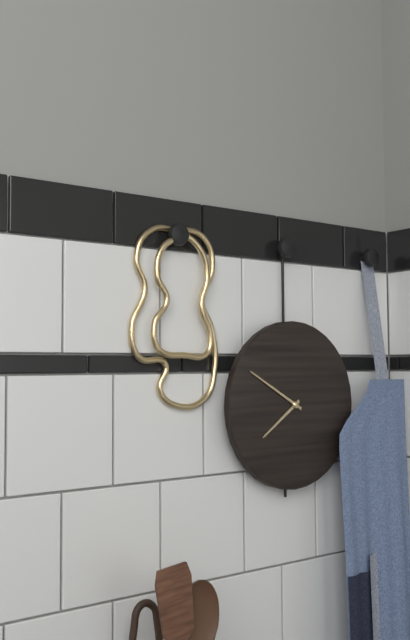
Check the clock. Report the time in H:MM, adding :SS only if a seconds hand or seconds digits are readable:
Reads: 7:50
